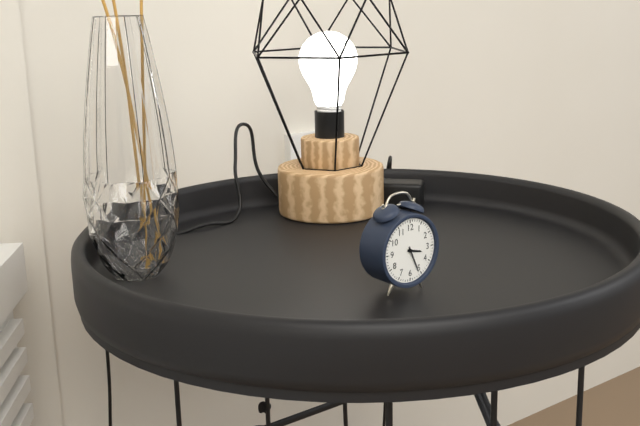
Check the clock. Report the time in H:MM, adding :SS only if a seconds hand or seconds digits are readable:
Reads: 3:26
